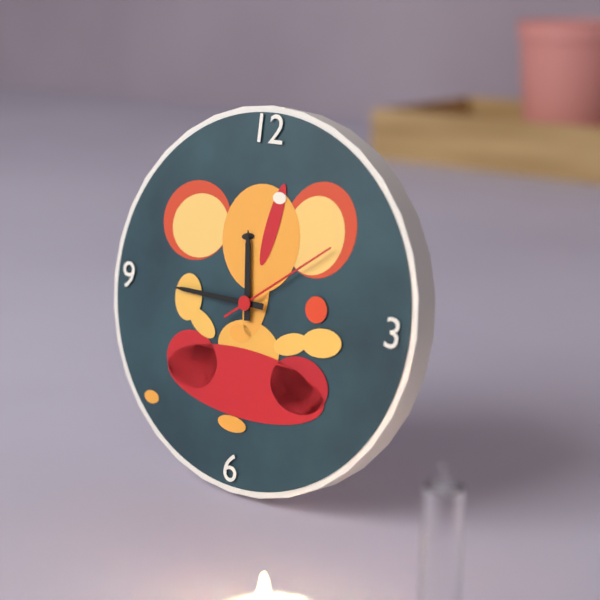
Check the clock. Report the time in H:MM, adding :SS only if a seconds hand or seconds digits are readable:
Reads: 11:45:09
